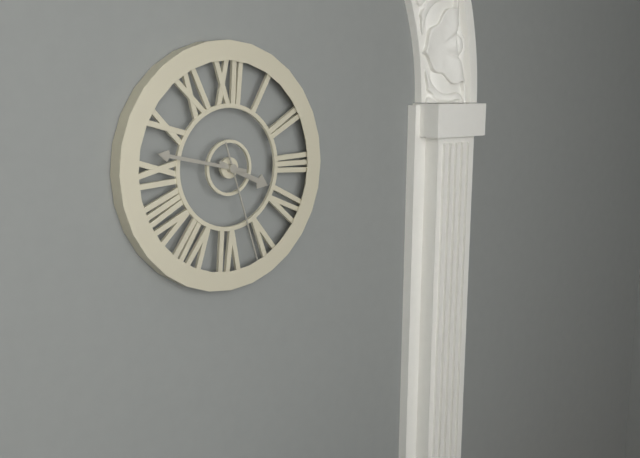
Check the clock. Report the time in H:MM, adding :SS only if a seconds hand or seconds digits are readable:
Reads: 3:47:27
